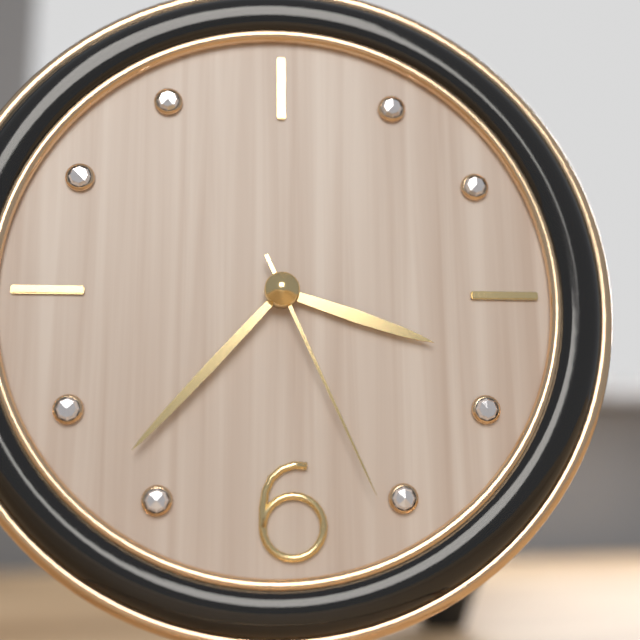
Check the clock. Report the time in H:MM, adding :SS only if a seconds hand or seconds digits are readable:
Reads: 3:37:26
